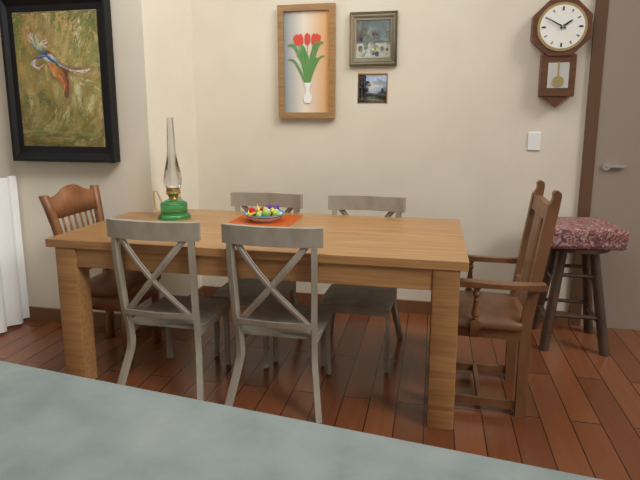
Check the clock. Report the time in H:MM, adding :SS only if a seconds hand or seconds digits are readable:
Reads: 1:50
